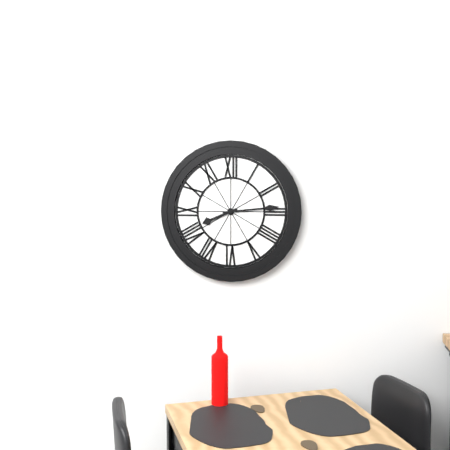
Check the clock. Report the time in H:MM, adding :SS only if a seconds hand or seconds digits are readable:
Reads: 8:14
